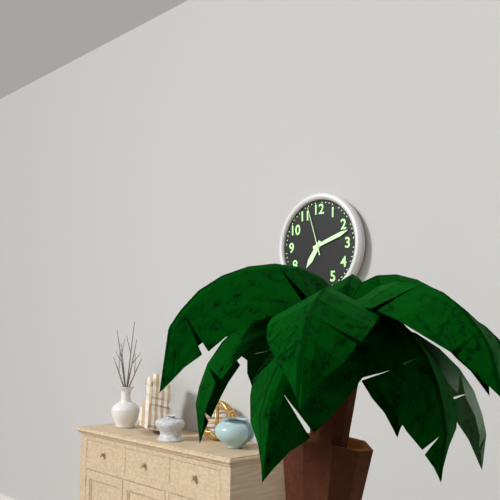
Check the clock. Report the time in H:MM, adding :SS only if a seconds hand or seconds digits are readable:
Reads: 7:12
